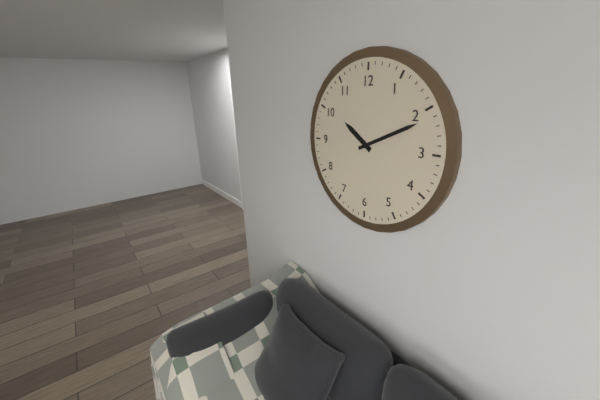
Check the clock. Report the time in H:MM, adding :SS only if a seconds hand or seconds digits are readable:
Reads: 10:11
